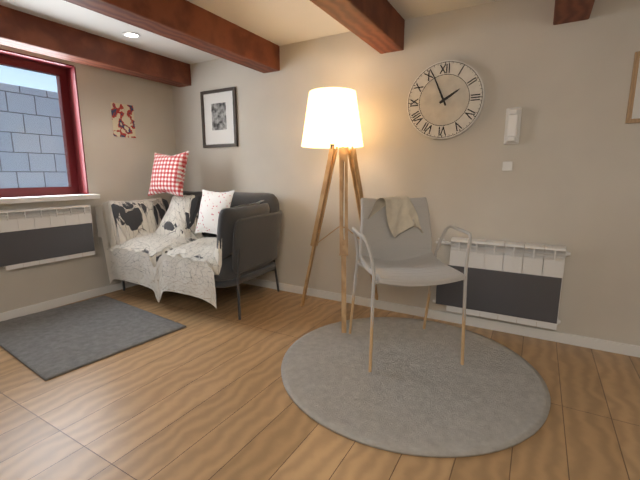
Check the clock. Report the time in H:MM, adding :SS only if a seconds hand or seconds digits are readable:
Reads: 1:56
